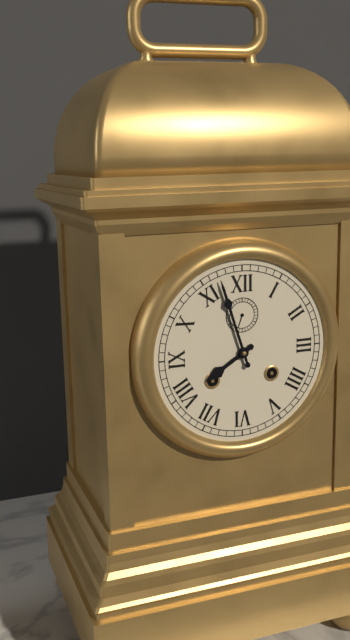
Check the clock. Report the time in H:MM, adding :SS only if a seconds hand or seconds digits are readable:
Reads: 7:57
